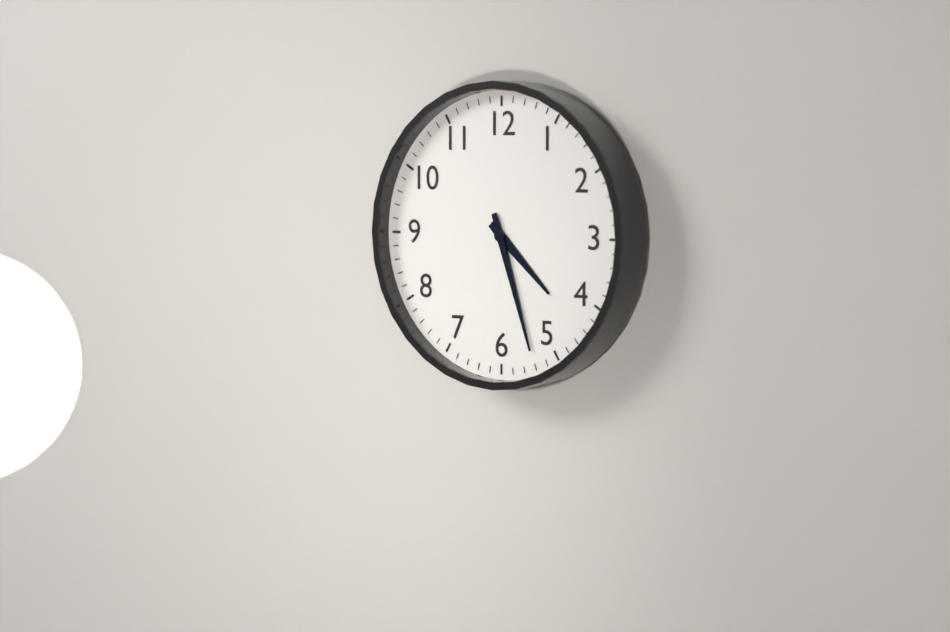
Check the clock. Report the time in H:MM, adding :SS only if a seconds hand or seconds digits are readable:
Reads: 4:27
